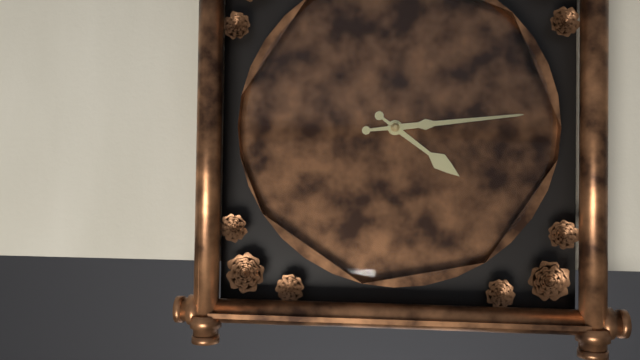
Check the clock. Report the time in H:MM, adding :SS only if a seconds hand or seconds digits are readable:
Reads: 4:14
